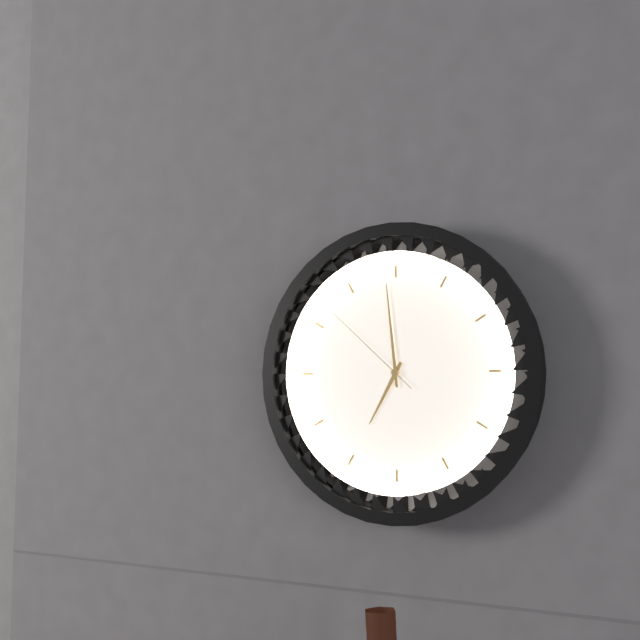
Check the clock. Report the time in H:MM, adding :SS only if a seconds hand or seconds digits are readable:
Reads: 6:59:52
